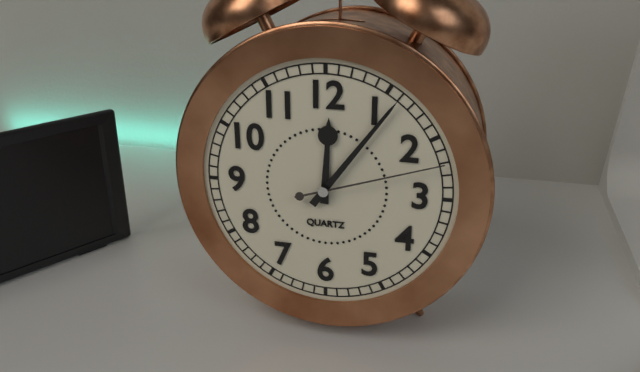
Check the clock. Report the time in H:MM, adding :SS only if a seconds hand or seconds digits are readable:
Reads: 12:06:12
